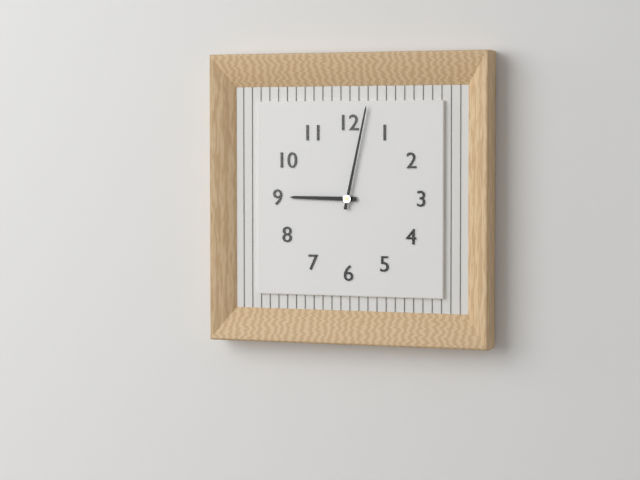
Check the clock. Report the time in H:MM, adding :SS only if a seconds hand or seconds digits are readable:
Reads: 9:02
